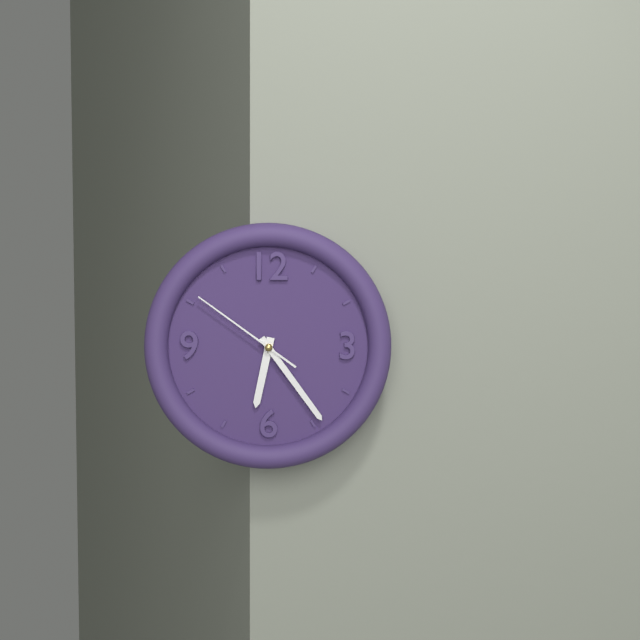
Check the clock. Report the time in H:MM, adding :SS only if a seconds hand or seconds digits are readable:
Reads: 6:24:51
